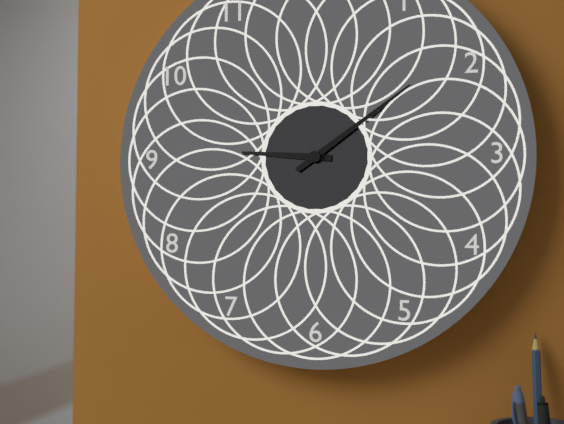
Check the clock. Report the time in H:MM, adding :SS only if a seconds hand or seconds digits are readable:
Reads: 9:09
